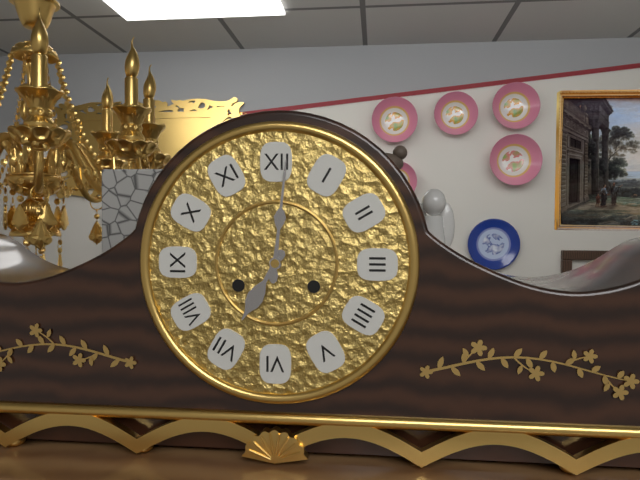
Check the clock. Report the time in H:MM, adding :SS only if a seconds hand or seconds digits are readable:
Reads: 7:01
